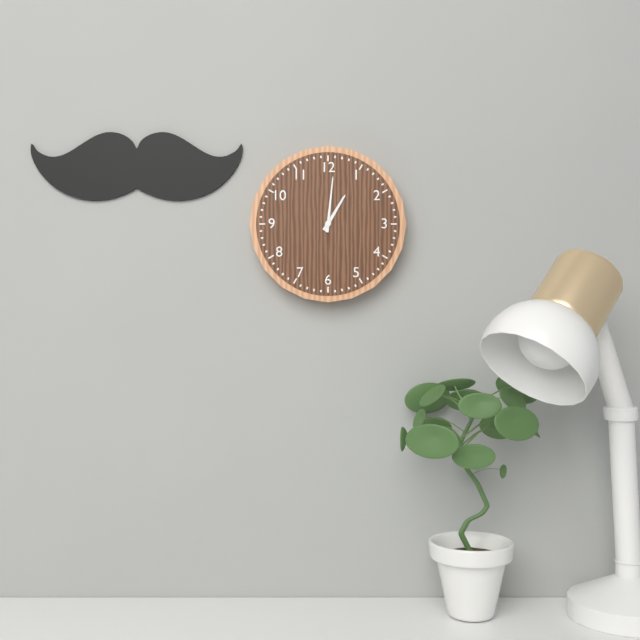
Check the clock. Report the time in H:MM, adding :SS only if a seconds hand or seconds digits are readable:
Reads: 1:01
